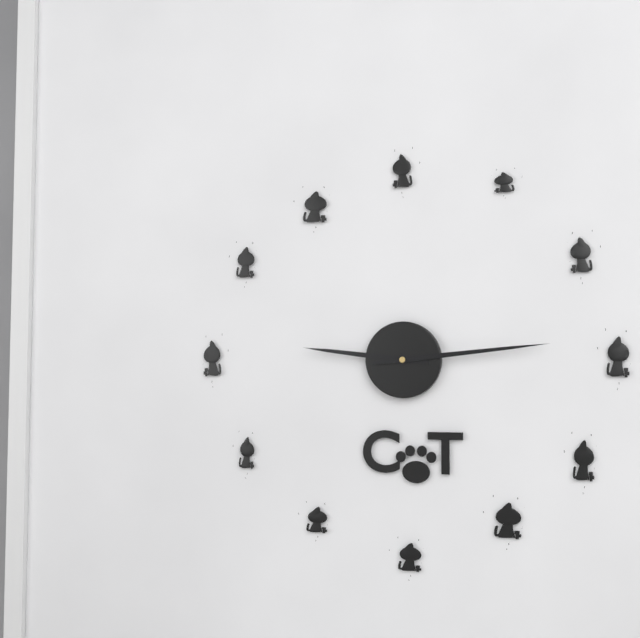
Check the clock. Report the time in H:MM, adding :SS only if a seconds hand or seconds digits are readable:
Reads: 9:14
